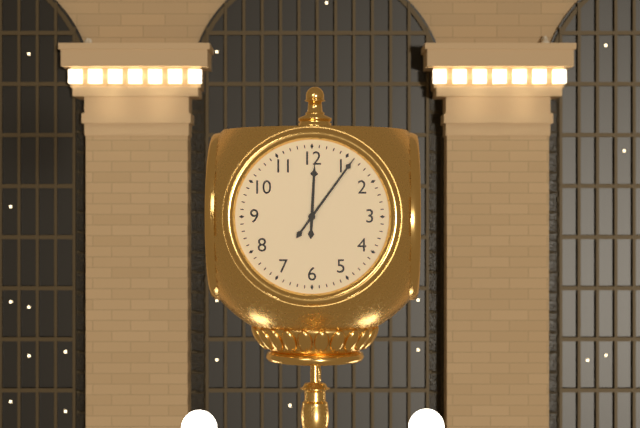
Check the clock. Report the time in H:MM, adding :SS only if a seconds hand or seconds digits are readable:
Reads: 12:06
